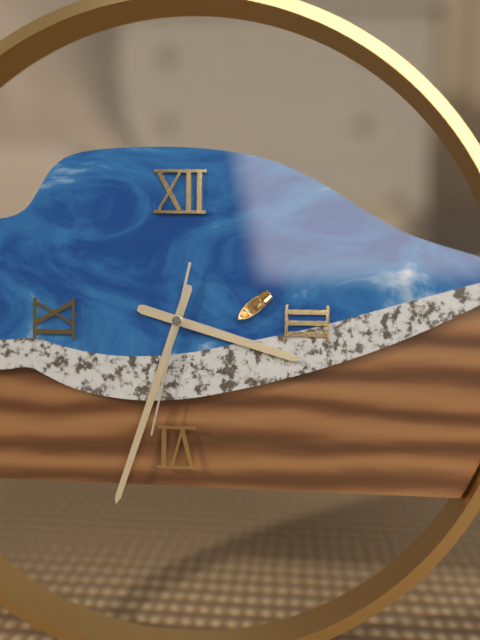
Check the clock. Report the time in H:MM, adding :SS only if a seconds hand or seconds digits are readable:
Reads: 3:33:32
